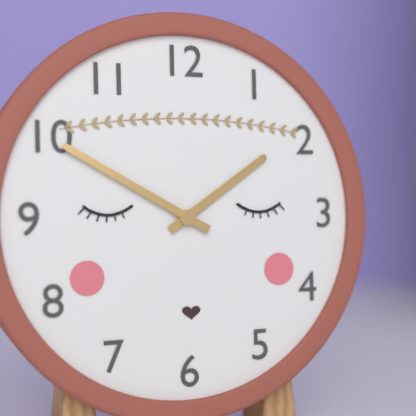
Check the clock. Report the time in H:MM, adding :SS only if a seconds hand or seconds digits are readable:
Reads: 1:50
